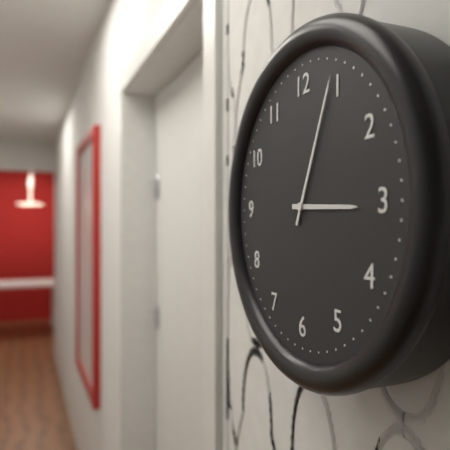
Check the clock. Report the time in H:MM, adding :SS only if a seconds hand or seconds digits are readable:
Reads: 3:04
